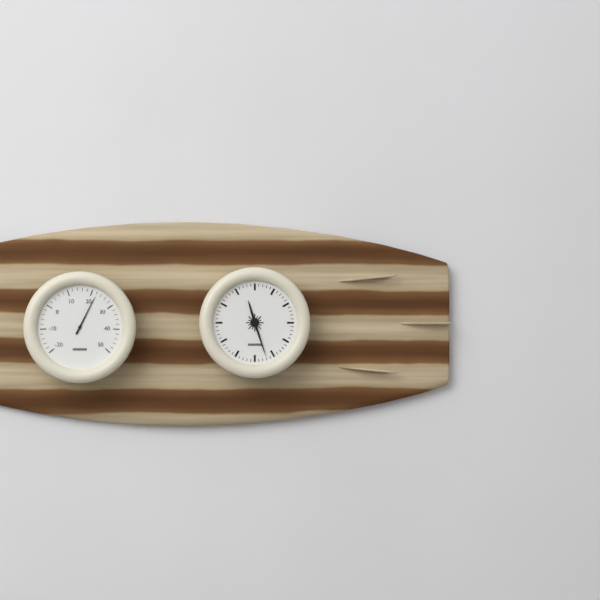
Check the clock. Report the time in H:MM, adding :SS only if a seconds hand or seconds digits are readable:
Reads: 11:27
